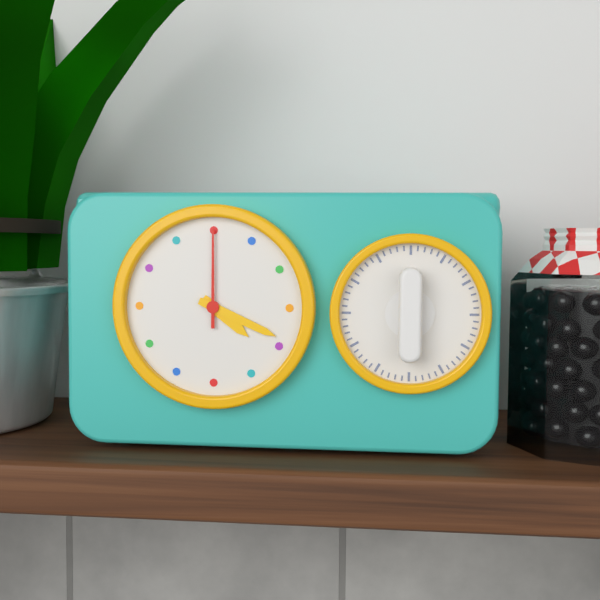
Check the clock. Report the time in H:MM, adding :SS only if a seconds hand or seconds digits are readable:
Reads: 4:19:00
